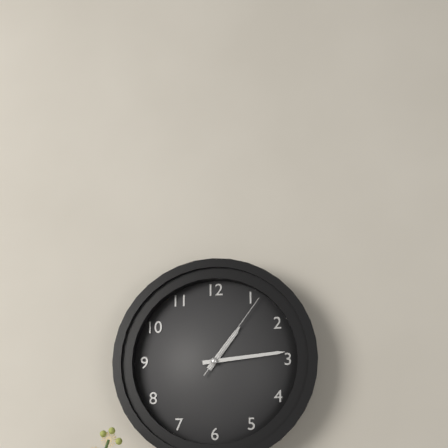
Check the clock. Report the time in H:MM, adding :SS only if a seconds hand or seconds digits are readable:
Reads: 1:14:06
